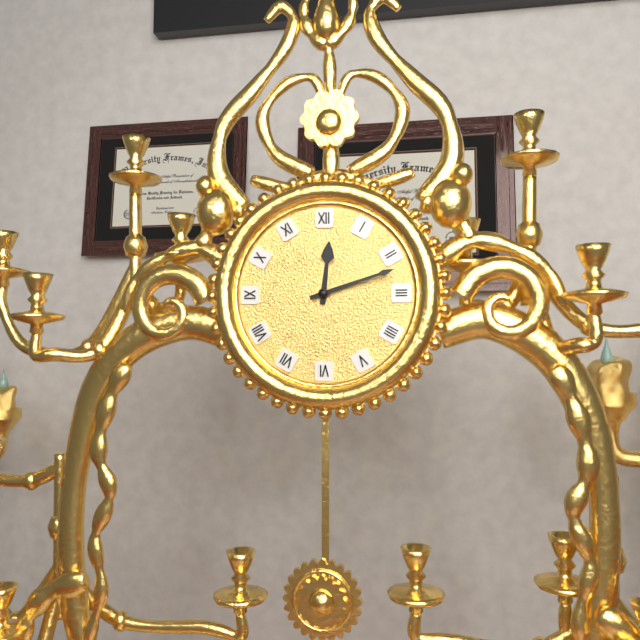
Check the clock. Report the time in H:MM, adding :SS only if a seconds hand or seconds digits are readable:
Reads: 12:12
